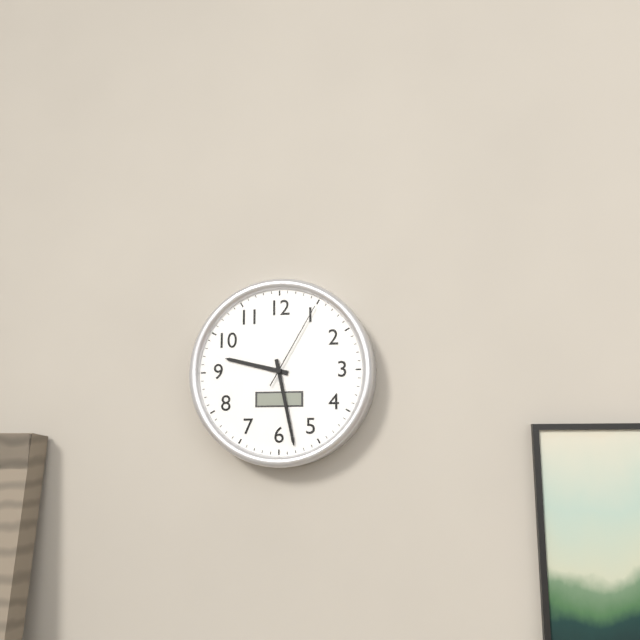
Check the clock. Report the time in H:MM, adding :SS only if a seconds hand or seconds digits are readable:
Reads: 9:28:05
